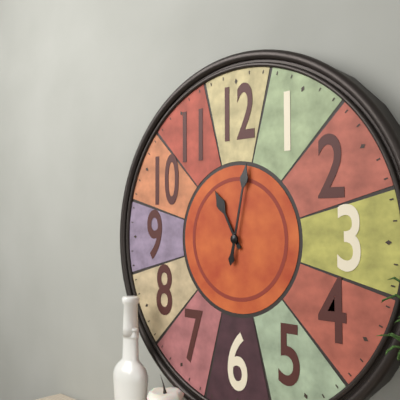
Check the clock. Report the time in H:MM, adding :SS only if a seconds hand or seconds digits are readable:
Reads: 11:02
